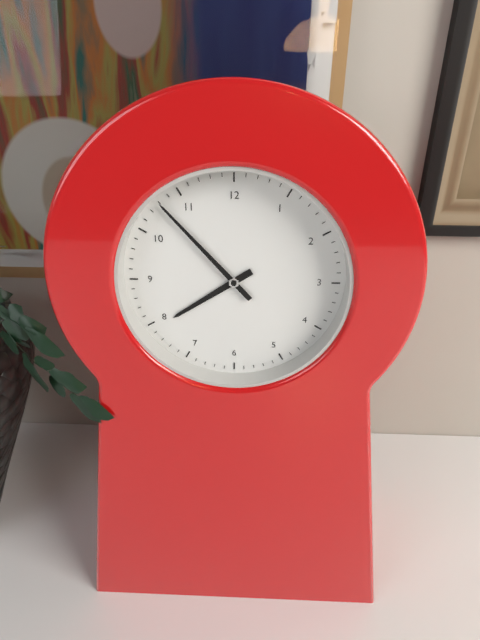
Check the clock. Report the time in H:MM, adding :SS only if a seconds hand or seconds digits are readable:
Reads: 7:53
